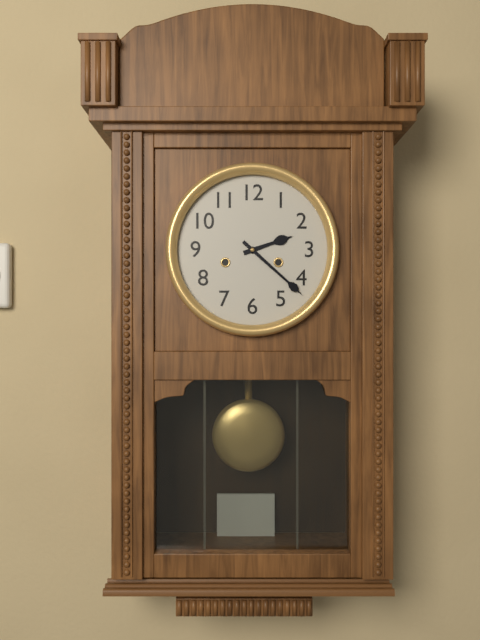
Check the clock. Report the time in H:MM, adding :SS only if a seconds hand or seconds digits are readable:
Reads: 2:22
